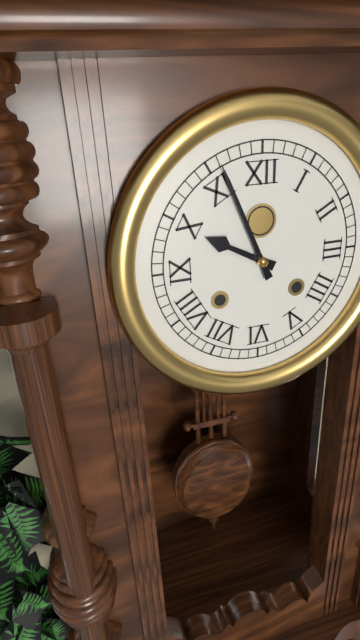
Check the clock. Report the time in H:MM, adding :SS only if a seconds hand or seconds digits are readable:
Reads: 9:56
